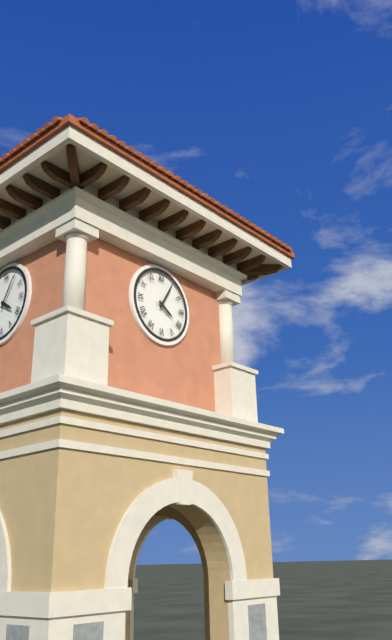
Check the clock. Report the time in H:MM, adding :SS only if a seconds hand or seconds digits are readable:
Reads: 4:05
